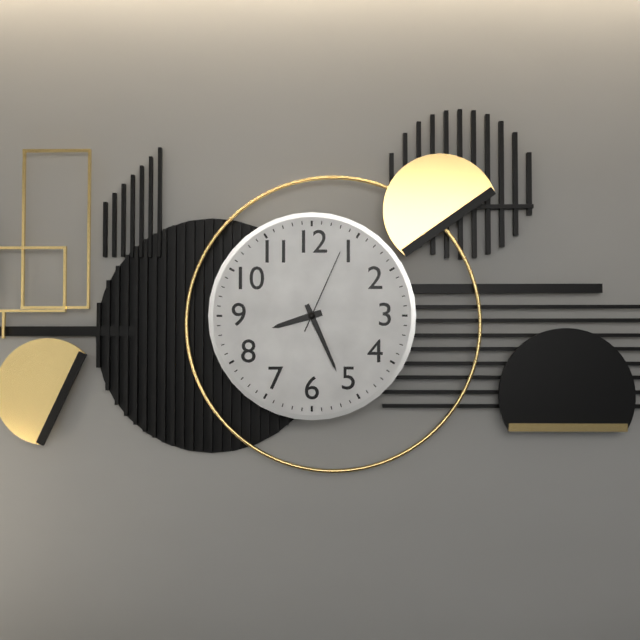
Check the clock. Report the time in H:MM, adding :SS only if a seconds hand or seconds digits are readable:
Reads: 8:26:04
